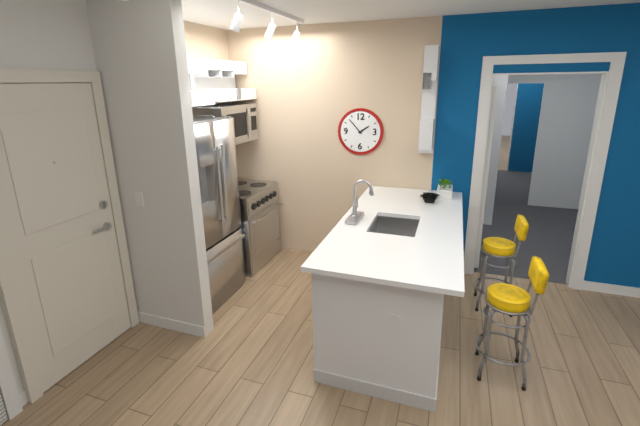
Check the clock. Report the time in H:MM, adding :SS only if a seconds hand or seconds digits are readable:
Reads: 1:53
